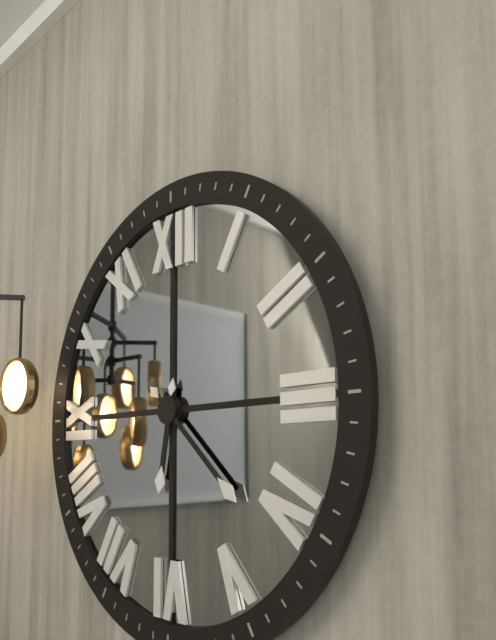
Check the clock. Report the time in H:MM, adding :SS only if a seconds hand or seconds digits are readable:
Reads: 6:22
